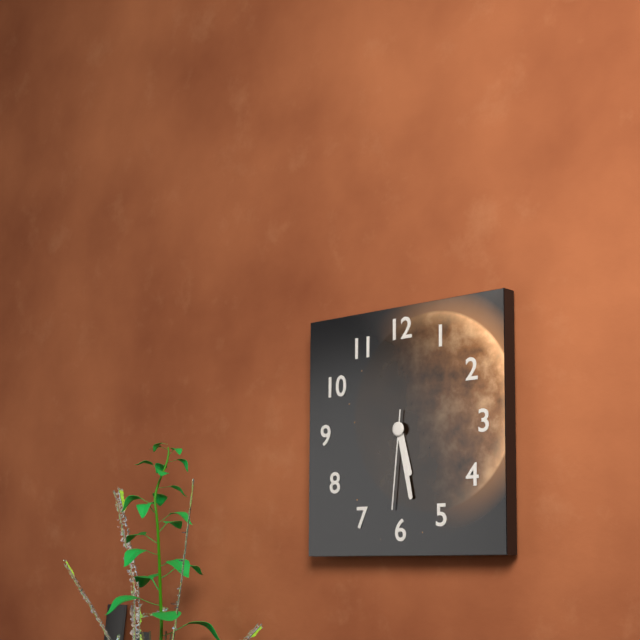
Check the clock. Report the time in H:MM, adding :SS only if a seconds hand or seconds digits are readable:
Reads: 5:28:31
